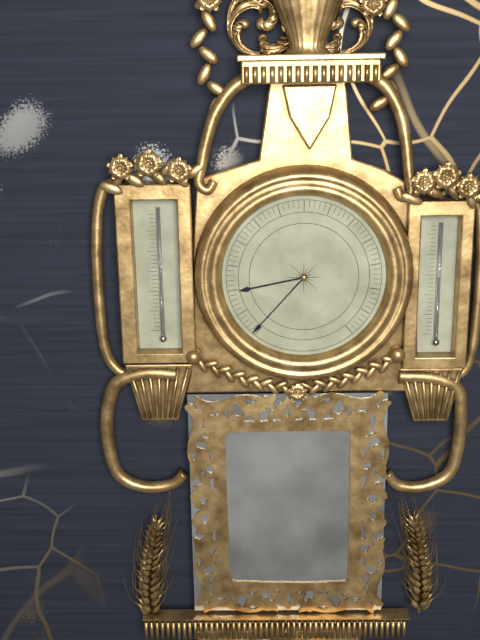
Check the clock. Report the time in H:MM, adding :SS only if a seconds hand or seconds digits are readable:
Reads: 8:37
